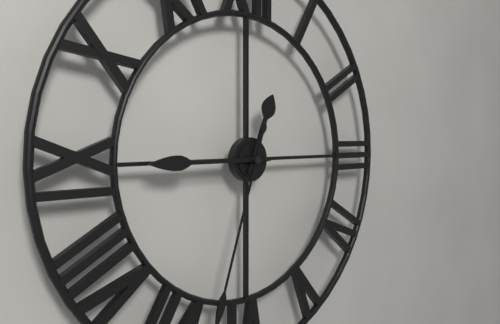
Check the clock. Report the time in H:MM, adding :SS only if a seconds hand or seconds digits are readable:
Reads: 12:45
